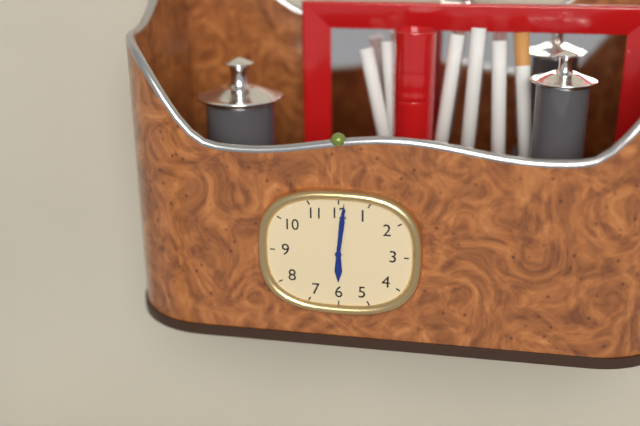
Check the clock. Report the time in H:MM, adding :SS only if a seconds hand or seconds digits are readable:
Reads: 6:01
